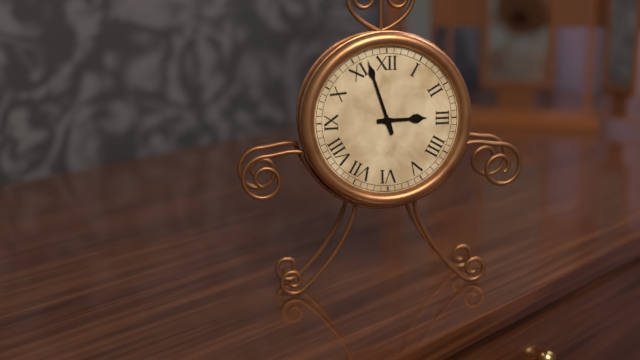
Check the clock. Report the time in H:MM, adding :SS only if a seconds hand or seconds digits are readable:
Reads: 2:57
